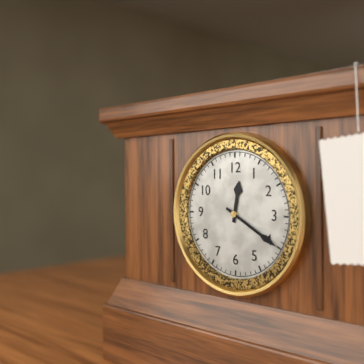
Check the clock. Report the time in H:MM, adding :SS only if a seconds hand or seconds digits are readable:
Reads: 12:20
